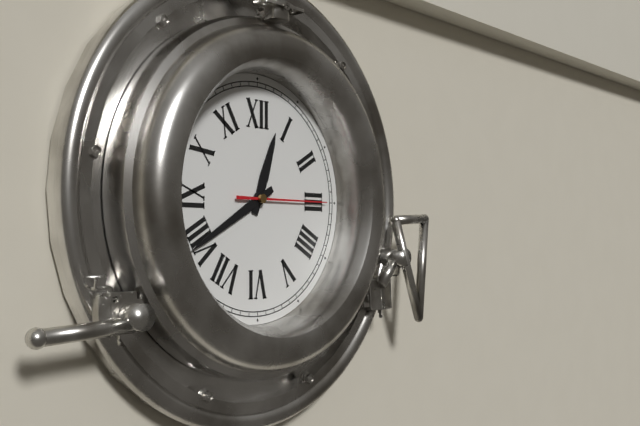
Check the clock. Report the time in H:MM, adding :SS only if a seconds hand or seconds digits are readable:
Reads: 12:40:15
